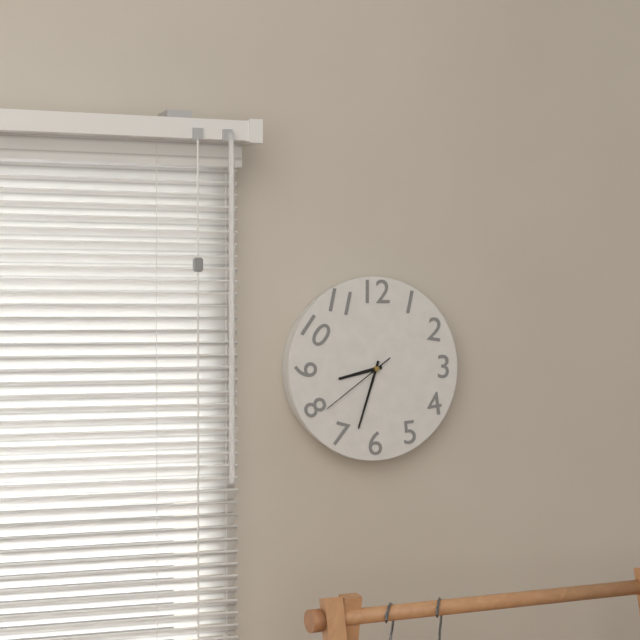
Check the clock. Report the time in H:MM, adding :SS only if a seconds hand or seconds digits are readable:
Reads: 8:33:39
